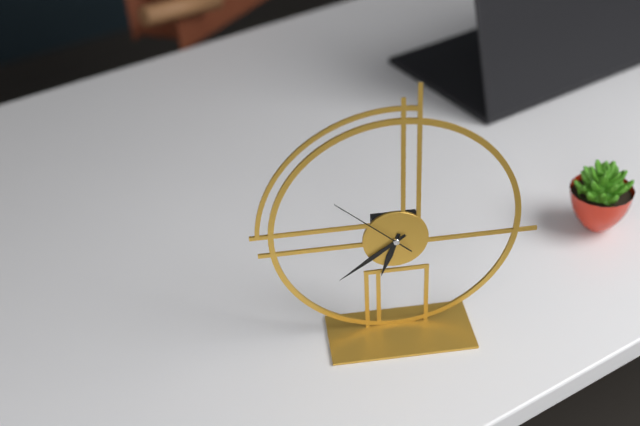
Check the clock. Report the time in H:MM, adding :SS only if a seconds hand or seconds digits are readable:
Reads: 6:39:52
